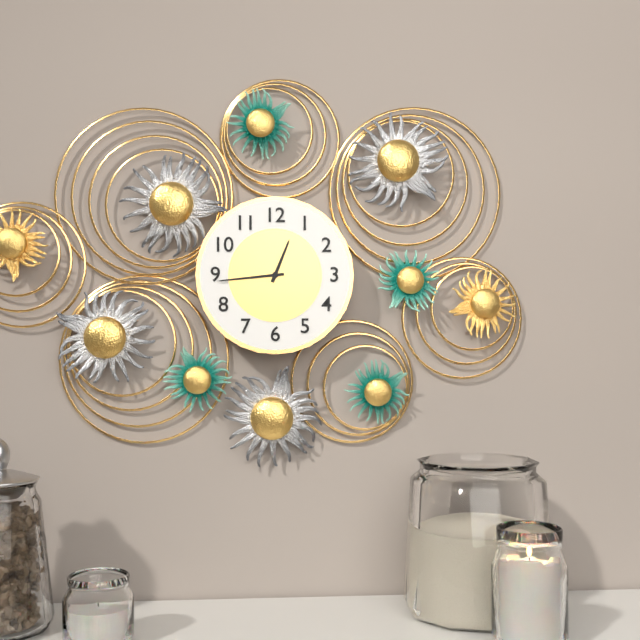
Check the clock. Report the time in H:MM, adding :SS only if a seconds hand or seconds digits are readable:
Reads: 12:44
